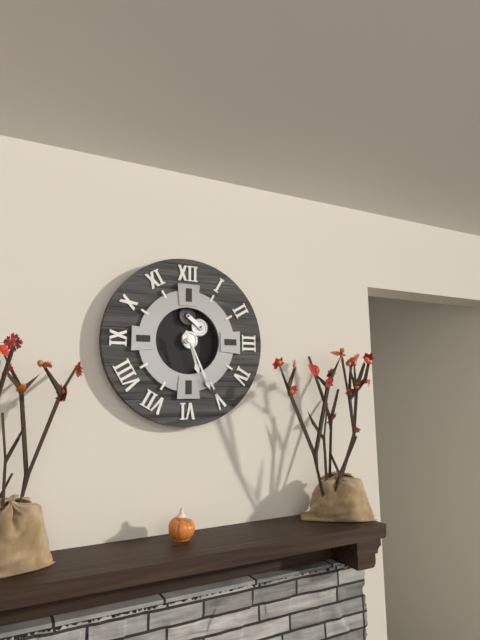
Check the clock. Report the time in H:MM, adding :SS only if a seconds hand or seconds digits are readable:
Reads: 5:26
